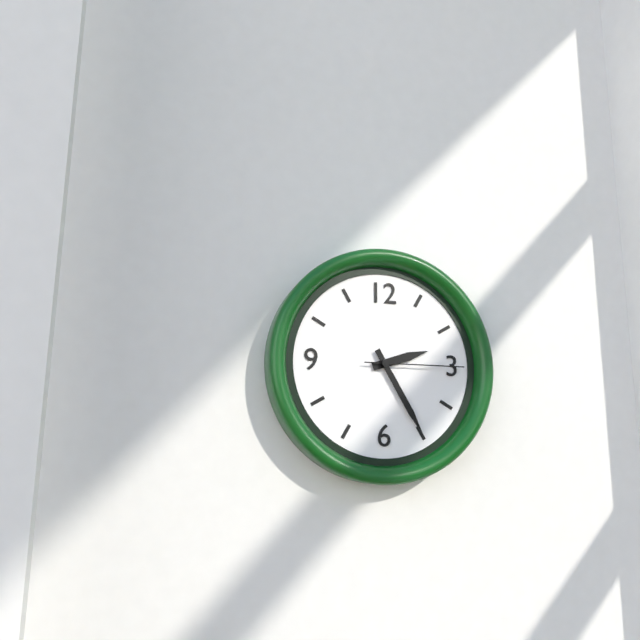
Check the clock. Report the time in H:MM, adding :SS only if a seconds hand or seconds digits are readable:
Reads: 2:25:15
